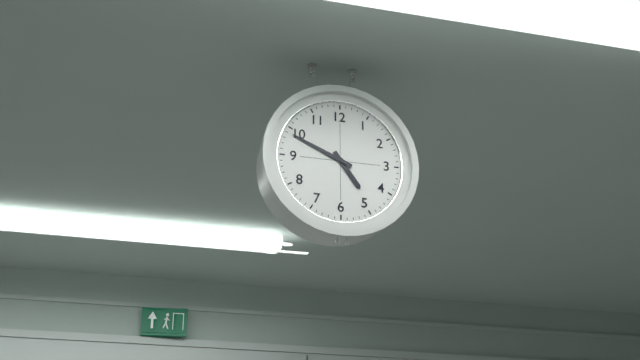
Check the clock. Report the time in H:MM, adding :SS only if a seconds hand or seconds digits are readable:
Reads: 4:49
